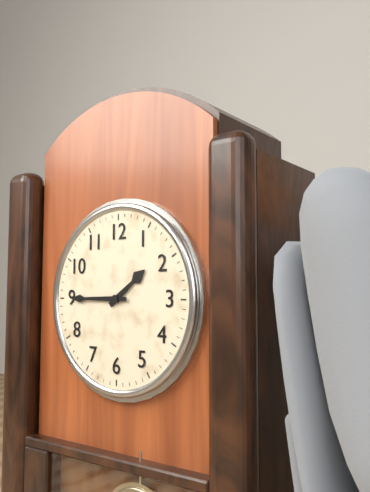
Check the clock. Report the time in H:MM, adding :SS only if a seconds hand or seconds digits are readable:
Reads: 1:45
